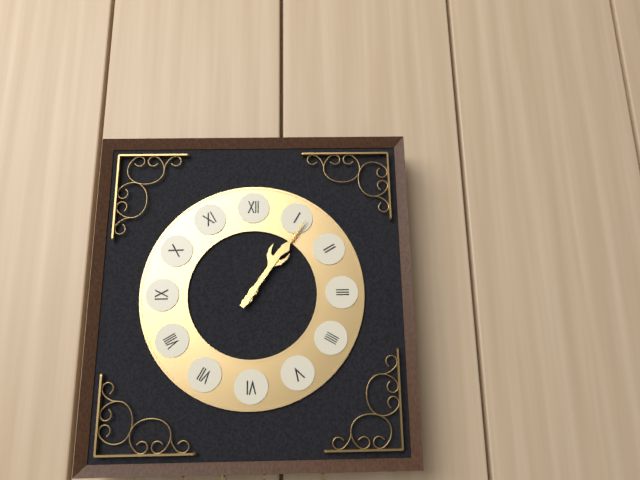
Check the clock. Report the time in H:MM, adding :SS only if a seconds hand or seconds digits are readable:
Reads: 1:06
